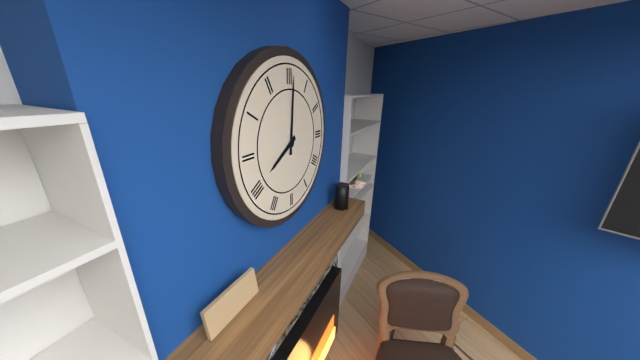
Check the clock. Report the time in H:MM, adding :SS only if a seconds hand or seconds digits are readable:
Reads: 8:01
